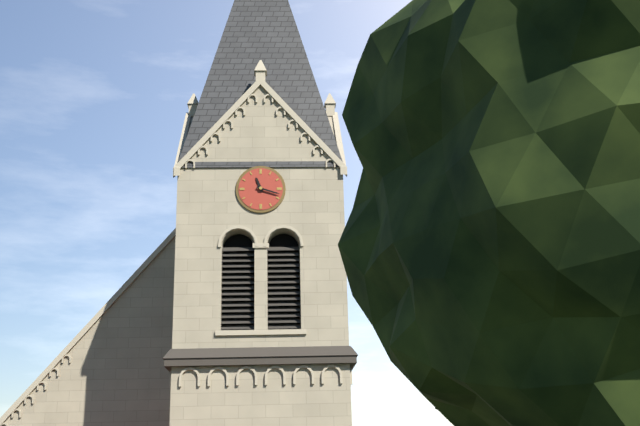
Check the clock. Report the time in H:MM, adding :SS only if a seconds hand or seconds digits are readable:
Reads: 11:18
